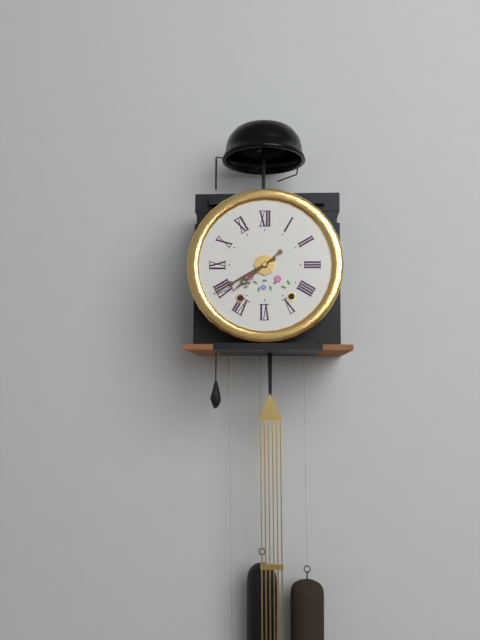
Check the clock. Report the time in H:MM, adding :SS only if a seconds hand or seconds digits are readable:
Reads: 7:40
